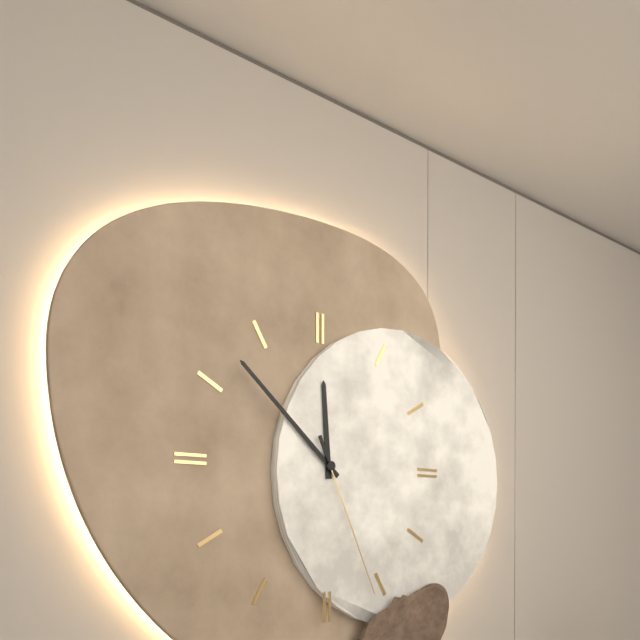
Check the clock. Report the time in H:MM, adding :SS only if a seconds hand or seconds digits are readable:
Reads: 11:52:26
